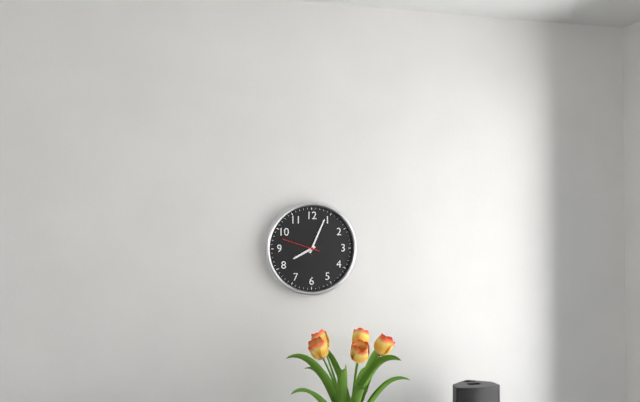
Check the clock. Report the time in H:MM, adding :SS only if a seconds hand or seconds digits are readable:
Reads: 8:04
